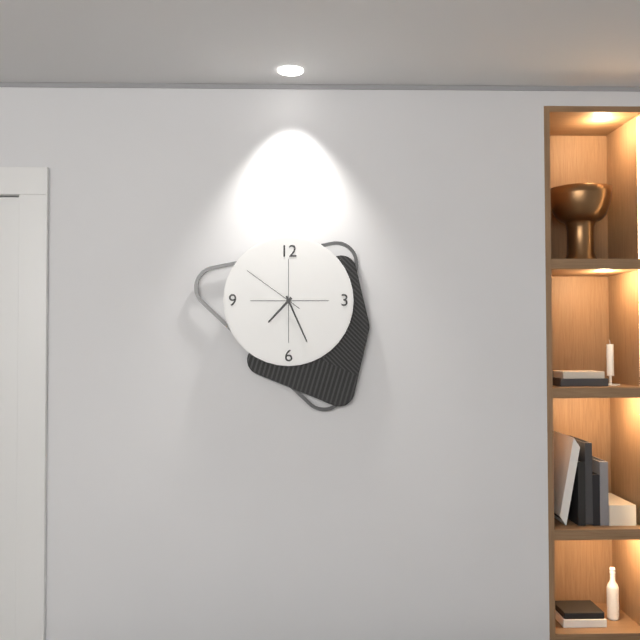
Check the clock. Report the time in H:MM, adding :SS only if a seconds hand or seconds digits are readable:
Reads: 7:26:51
